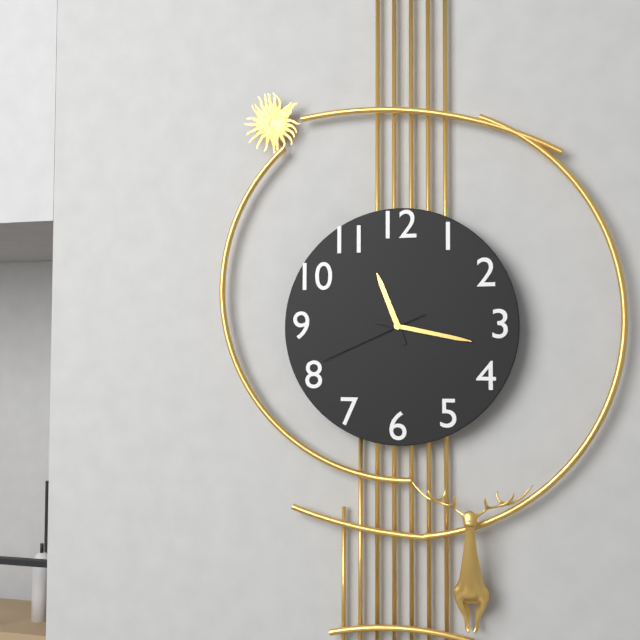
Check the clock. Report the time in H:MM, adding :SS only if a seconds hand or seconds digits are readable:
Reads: 11:17:41
